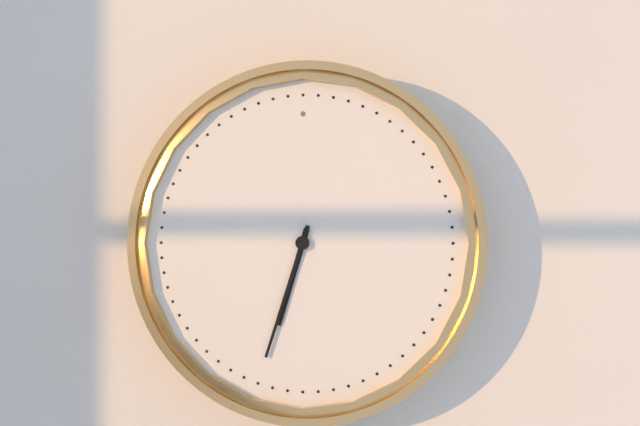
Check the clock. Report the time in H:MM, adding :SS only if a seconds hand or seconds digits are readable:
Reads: 6:33
